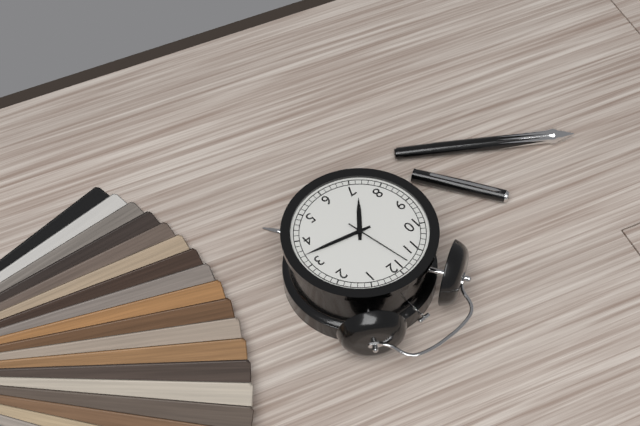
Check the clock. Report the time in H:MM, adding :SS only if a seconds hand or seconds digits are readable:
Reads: 7:17:58
